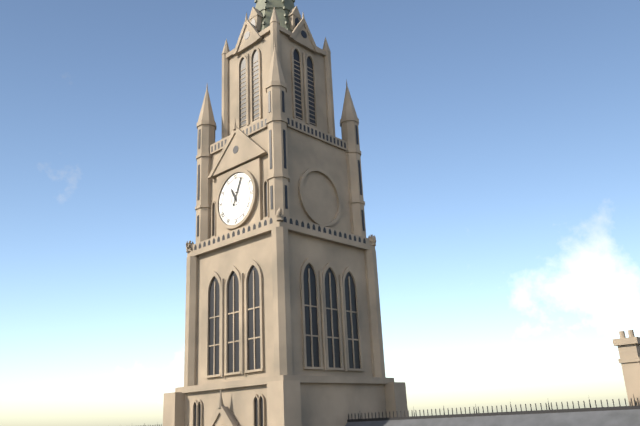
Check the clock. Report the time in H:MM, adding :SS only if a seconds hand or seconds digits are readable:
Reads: 11:04
